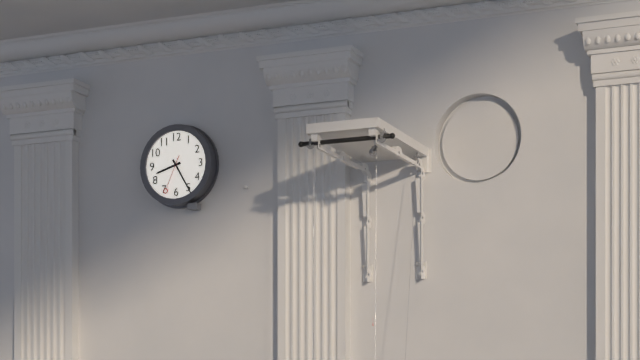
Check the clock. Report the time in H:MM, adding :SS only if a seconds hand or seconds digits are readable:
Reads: 8:25
